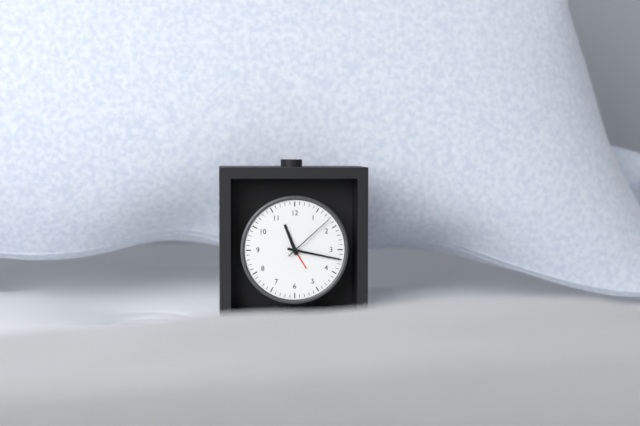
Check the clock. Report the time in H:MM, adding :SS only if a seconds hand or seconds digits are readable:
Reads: 11:17:08
